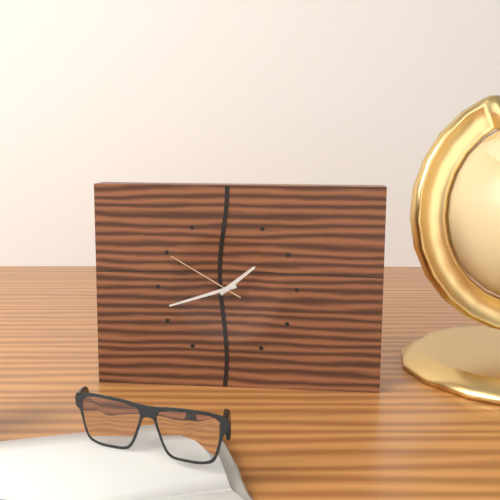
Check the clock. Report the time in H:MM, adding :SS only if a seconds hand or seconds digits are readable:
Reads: 1:42:50
